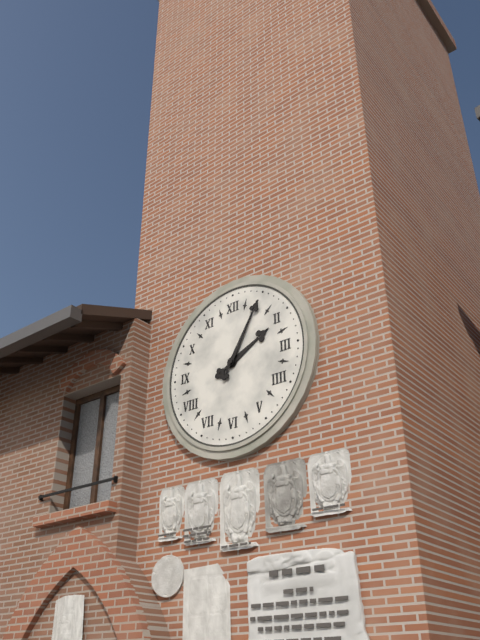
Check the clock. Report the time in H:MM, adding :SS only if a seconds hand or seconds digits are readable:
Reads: 2:05
